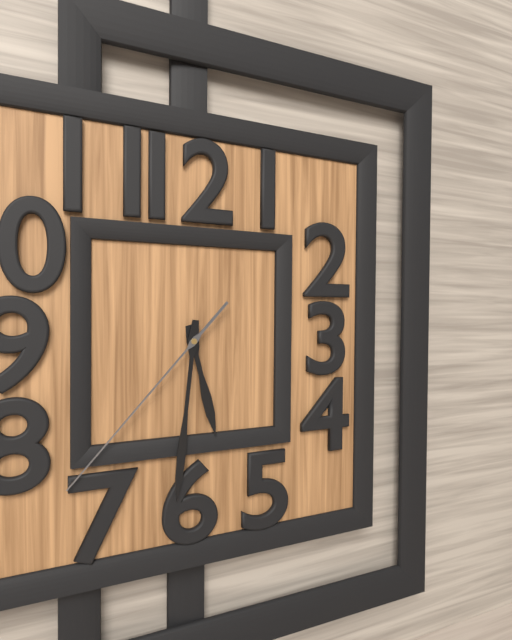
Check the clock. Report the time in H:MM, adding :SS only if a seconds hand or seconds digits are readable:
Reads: 5:31:37
